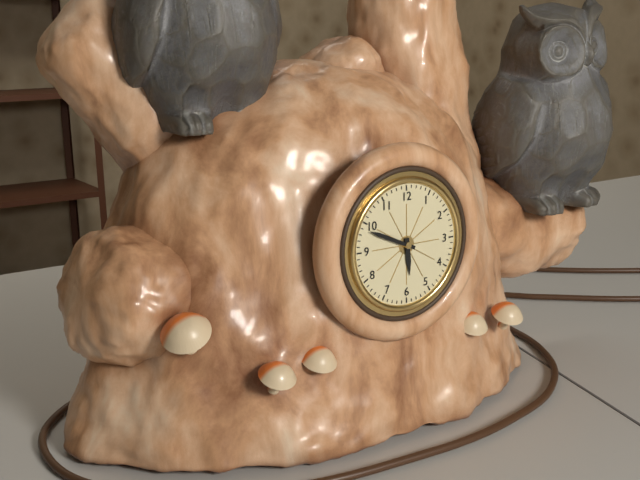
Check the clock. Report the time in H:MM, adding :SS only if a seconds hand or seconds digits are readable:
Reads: 5:49
